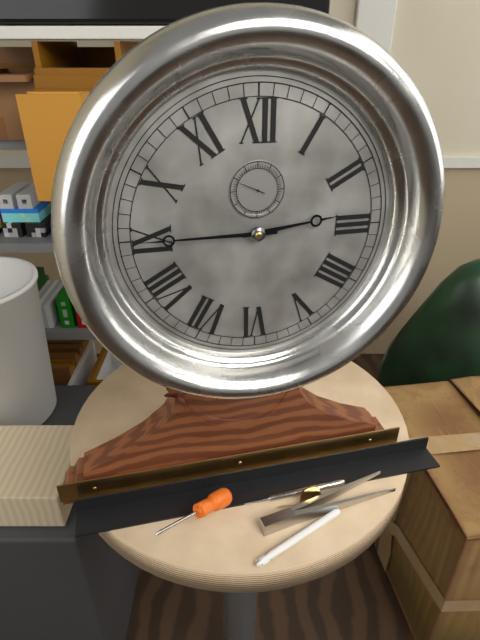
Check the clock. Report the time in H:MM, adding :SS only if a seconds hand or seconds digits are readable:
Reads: 2:45
